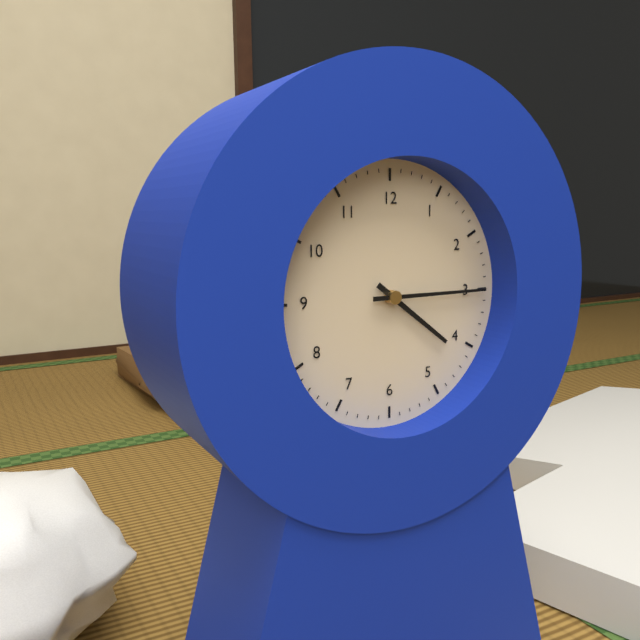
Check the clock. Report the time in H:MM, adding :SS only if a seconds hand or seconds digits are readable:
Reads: 4:15
